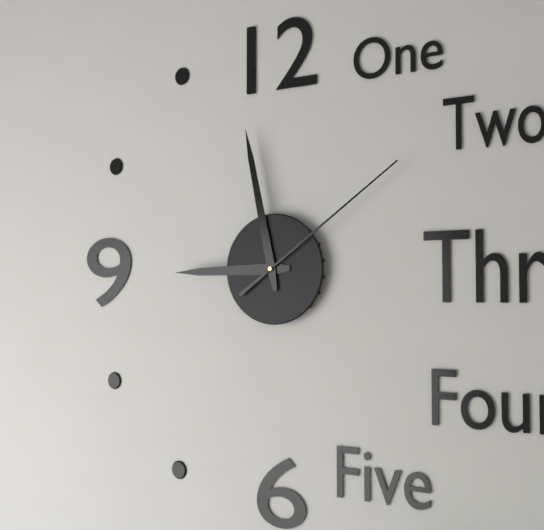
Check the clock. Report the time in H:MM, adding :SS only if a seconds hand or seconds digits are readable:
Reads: 8:58:09
